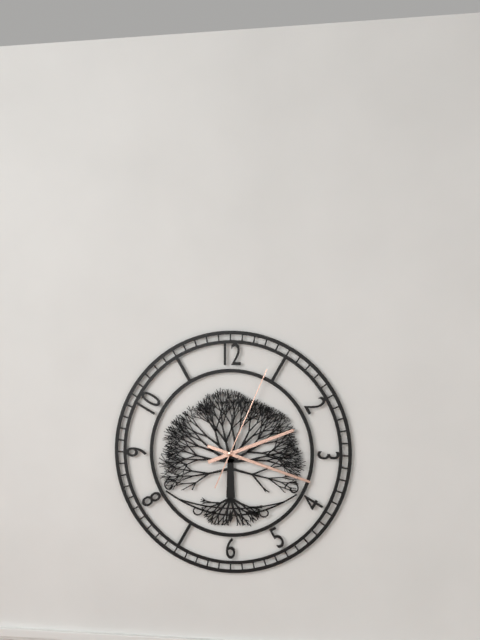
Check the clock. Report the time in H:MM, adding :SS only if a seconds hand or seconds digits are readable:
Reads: 2:18:04
